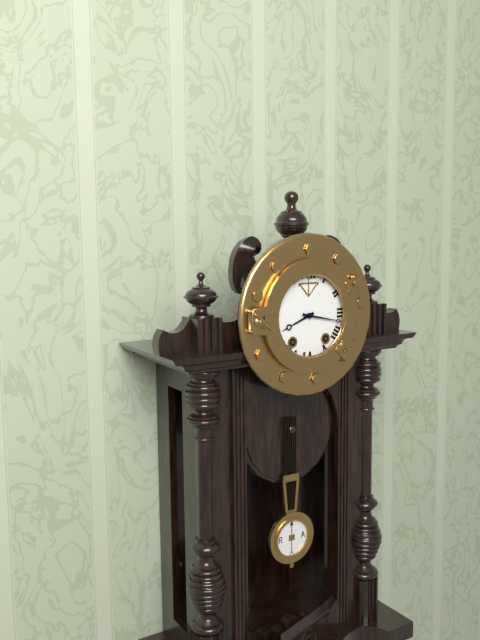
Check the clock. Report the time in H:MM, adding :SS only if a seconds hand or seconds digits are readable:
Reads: 8:17
